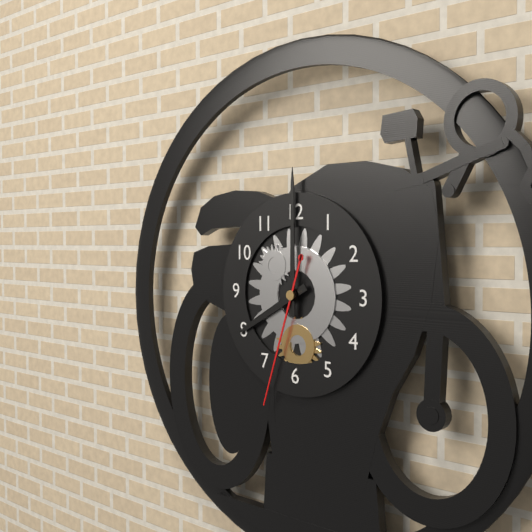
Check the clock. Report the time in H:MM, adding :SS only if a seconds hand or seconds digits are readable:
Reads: 8:00:33
